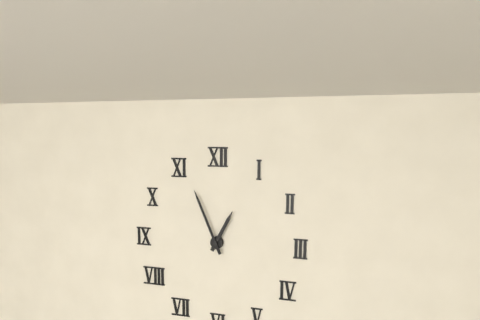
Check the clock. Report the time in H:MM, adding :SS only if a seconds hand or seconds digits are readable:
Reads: 12:56
